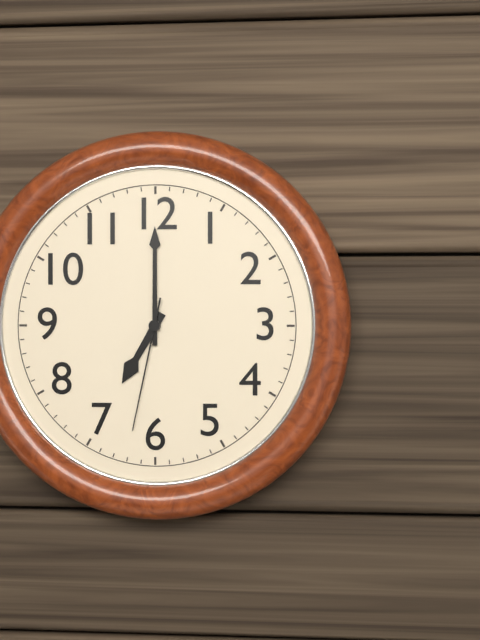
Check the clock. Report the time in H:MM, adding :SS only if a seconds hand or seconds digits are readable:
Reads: 7:00:32
